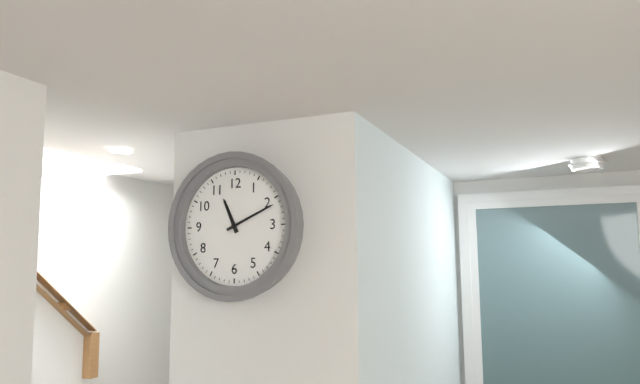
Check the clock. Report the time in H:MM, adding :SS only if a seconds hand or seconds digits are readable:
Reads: 11:11
